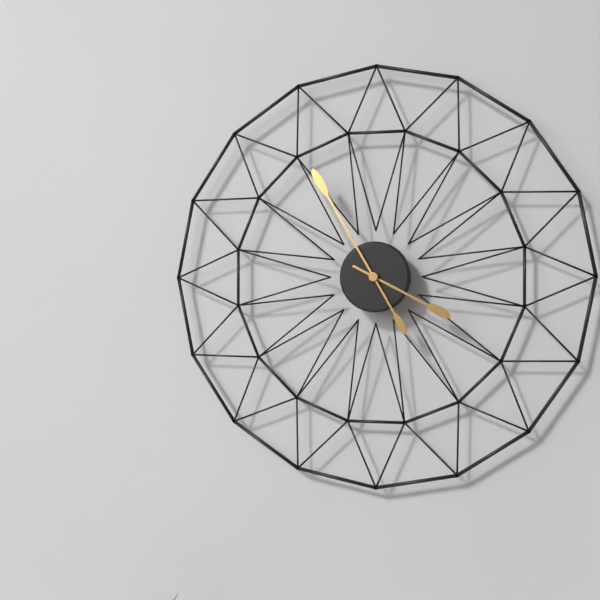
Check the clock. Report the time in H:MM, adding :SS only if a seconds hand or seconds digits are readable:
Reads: 3:55
